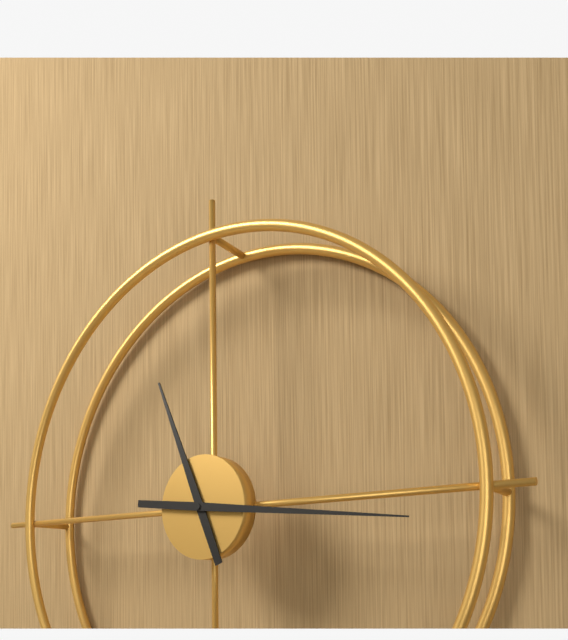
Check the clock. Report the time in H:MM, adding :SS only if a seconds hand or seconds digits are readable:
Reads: 11:16
